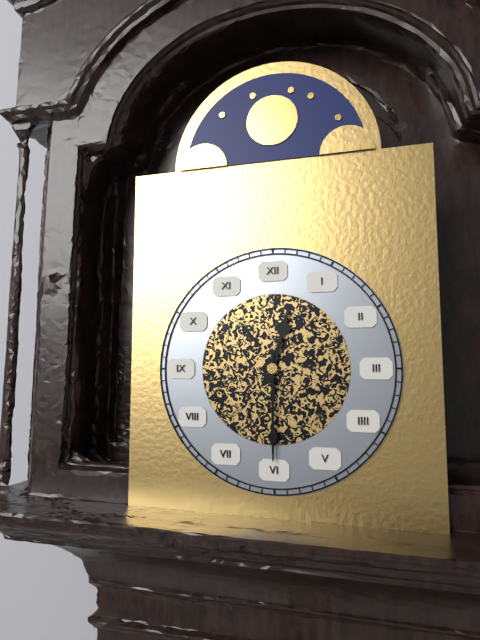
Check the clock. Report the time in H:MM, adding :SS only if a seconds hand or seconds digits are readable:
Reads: 12:30
